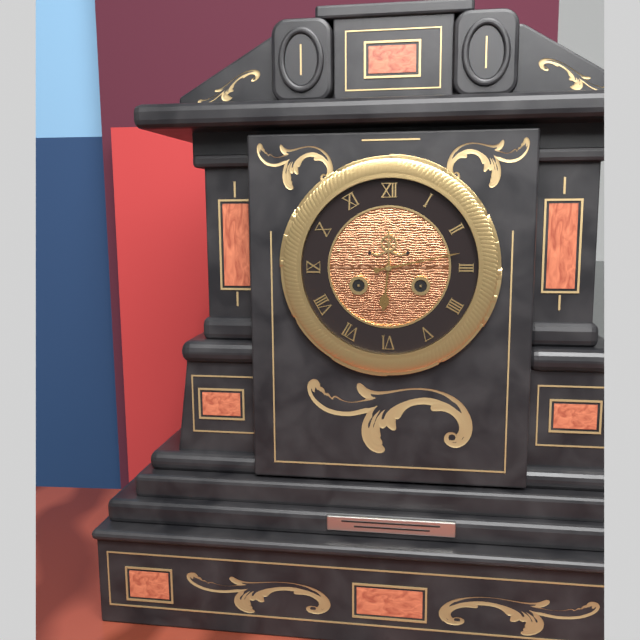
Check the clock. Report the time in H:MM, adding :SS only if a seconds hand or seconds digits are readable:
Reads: 6:13
